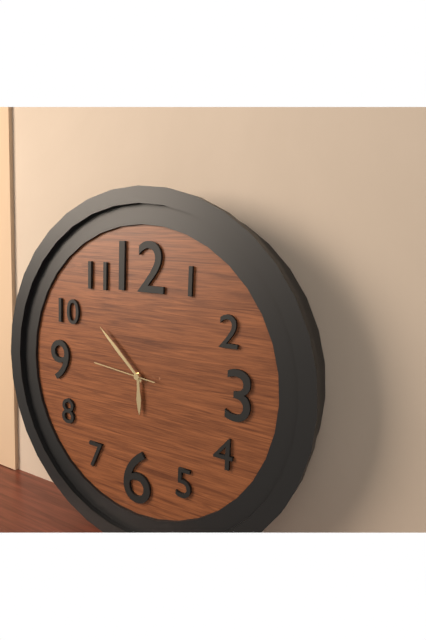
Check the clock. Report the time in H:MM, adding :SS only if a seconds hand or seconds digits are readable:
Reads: 5:52:46
